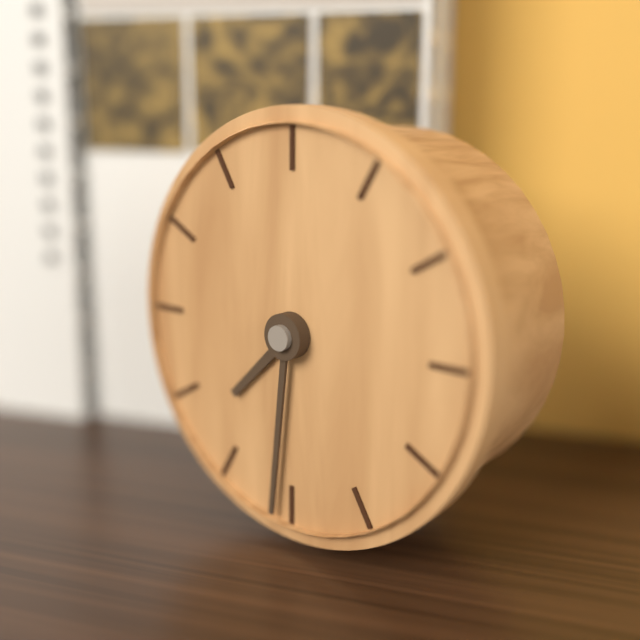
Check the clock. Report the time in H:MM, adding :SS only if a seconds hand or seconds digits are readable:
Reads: 7:31
